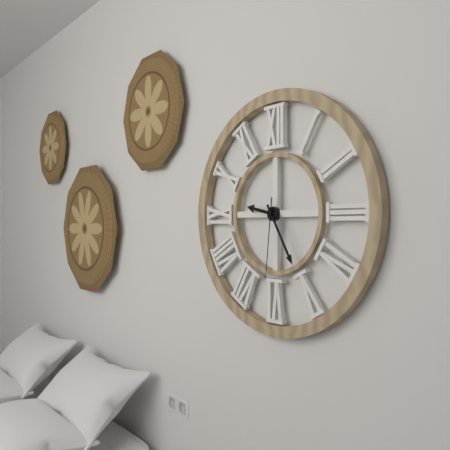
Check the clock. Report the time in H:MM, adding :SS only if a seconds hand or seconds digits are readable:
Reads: 9:25:31
